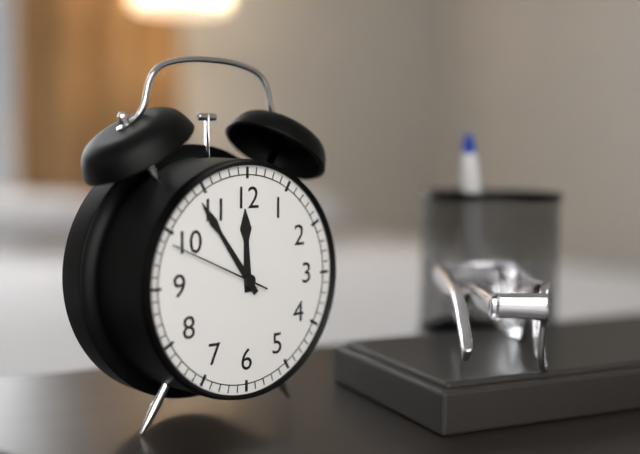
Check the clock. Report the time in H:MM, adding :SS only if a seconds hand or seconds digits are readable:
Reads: 11:54:49
